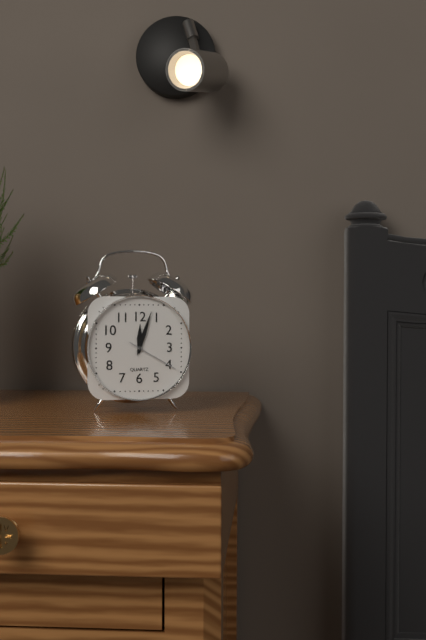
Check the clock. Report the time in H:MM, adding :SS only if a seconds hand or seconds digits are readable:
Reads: 12:03:20
